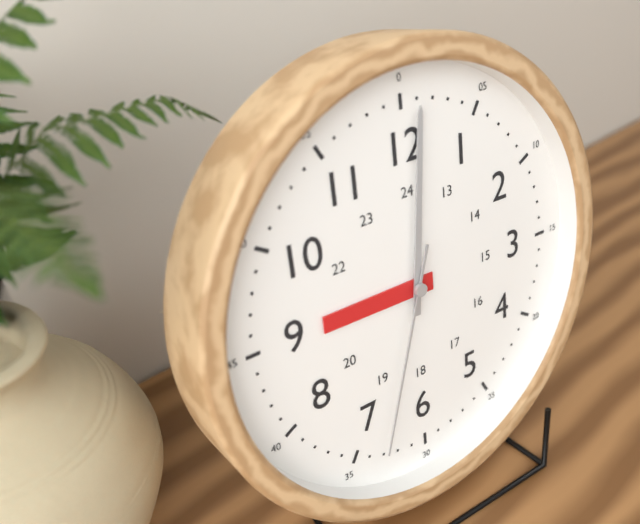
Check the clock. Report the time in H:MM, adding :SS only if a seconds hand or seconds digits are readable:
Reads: 9:01:33
